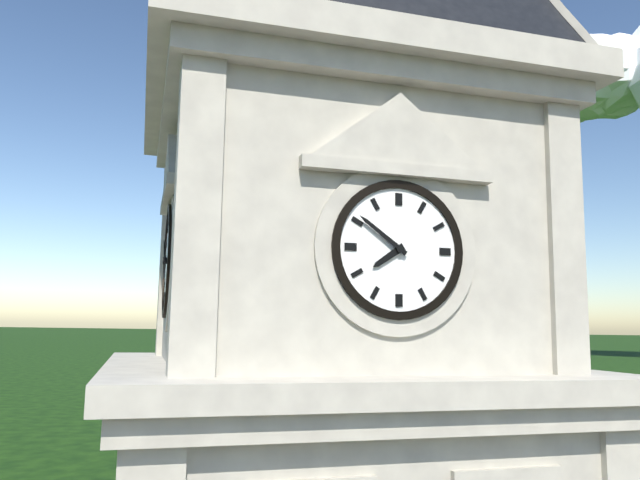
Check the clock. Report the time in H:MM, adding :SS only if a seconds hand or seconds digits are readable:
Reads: 7:51
